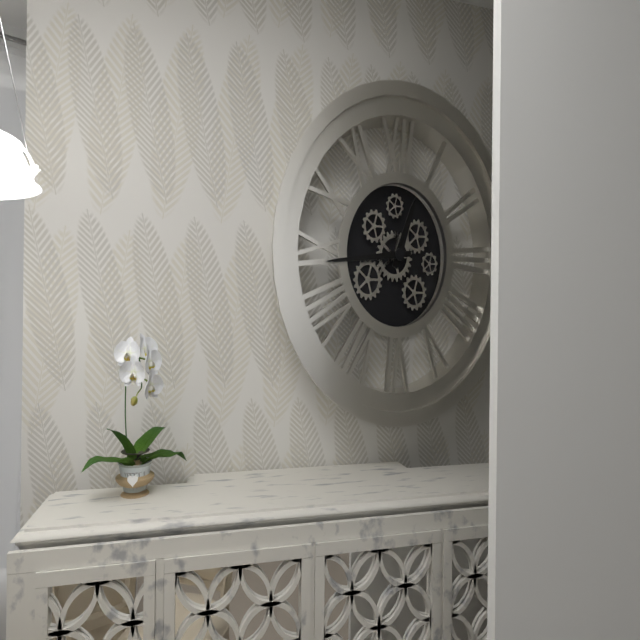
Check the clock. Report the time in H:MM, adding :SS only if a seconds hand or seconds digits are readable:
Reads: 12:44
